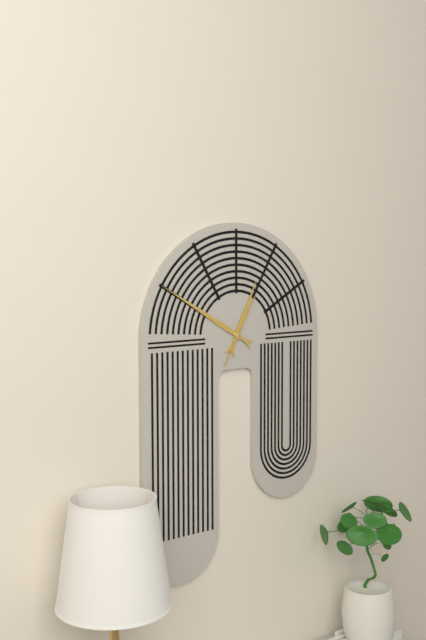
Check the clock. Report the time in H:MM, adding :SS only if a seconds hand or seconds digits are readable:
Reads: 12:50:05
